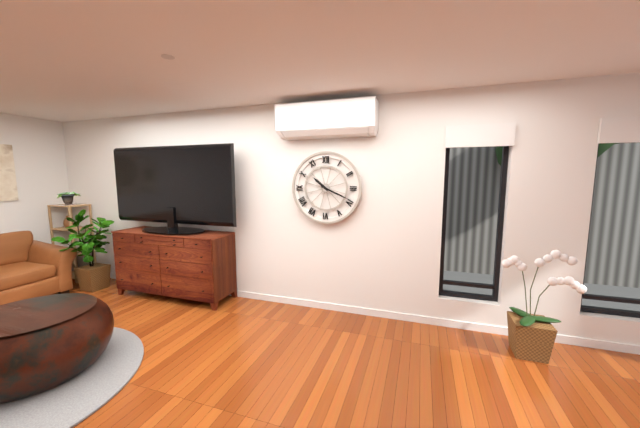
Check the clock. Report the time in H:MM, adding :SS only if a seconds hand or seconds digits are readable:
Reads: 10:19
